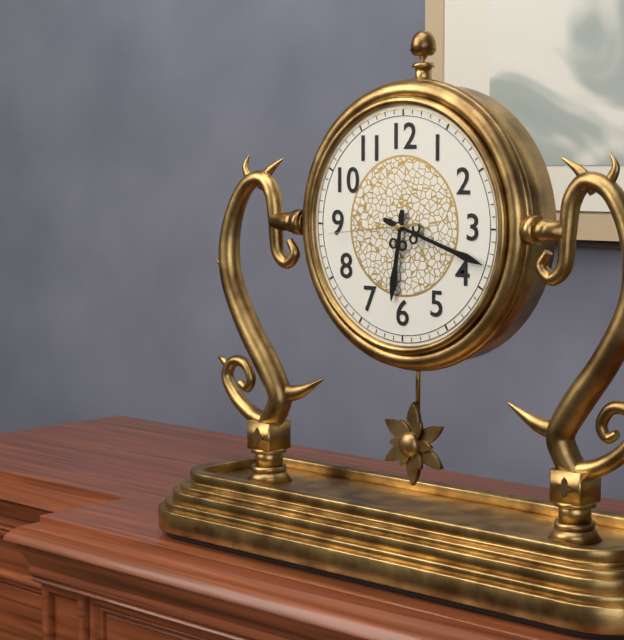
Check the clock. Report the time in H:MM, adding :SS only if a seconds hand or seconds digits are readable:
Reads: 6:18:44
